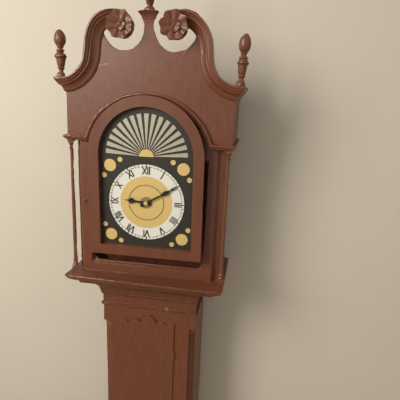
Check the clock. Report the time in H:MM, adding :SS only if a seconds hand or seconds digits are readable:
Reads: 9:10
